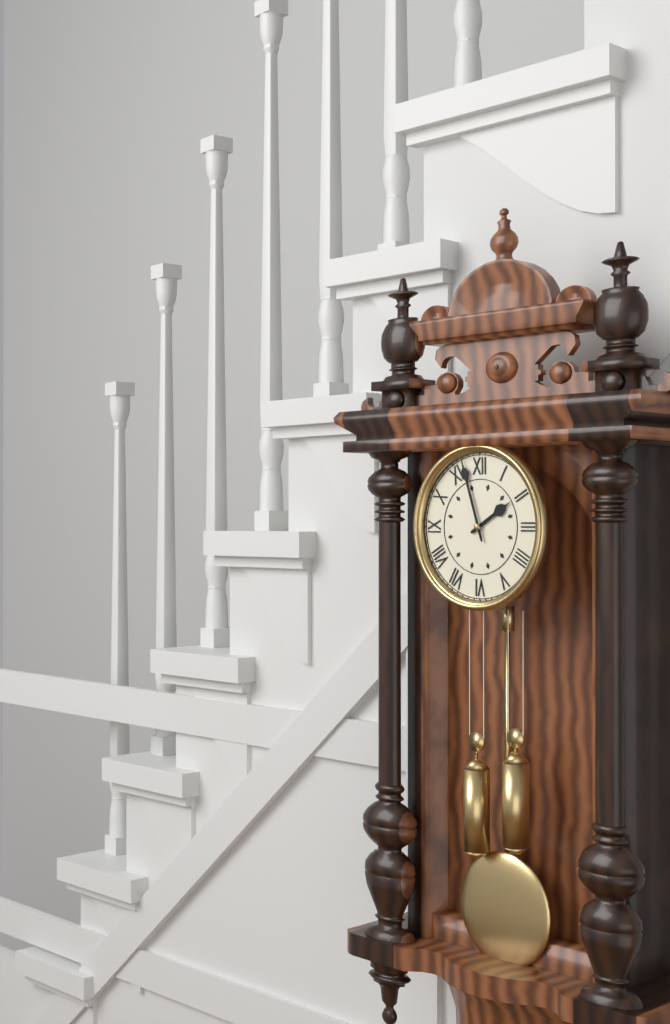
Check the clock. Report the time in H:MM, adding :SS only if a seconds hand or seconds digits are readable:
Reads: 1:57
